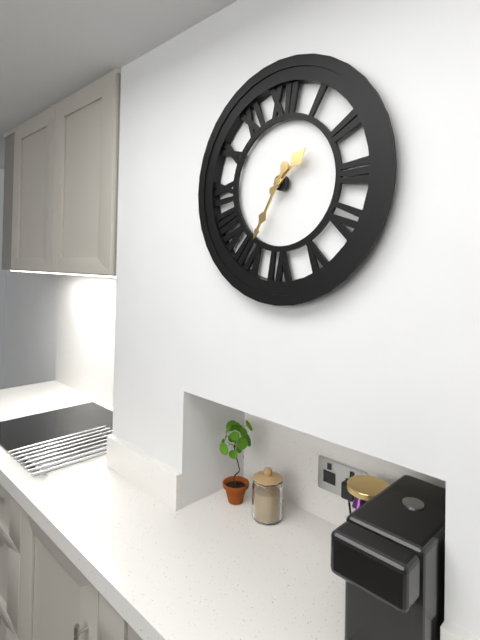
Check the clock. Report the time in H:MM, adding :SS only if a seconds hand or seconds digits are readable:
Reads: 1:35
